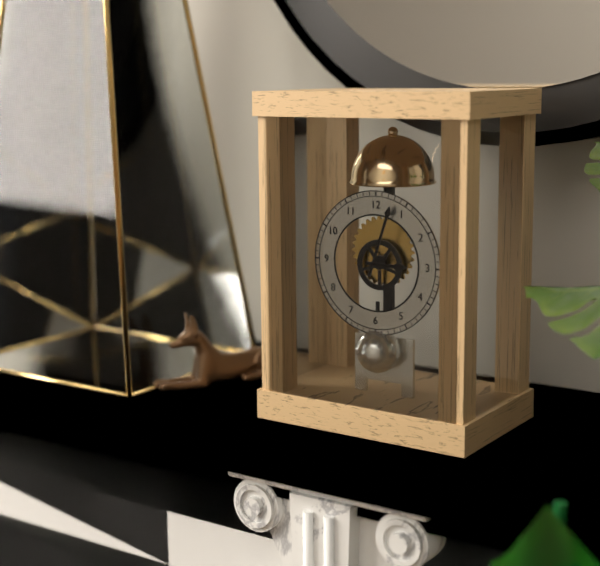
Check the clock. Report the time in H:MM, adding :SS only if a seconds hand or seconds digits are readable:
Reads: 3:03
